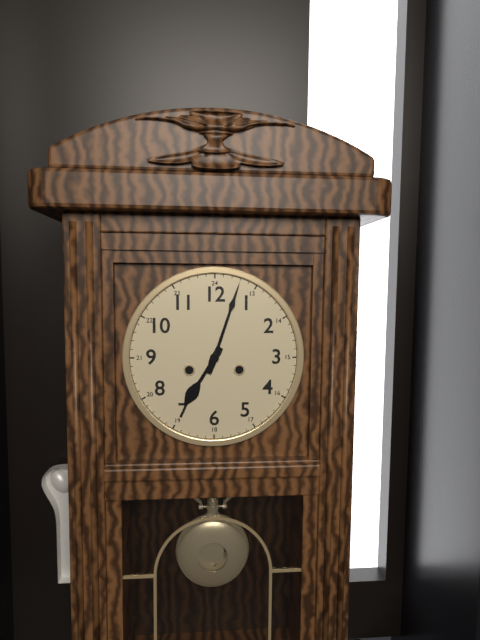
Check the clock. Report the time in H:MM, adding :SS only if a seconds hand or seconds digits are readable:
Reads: 7:03
